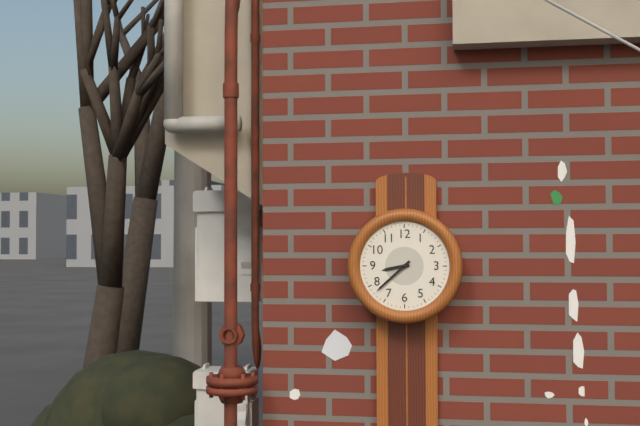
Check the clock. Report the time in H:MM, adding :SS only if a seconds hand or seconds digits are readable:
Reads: 8:38
